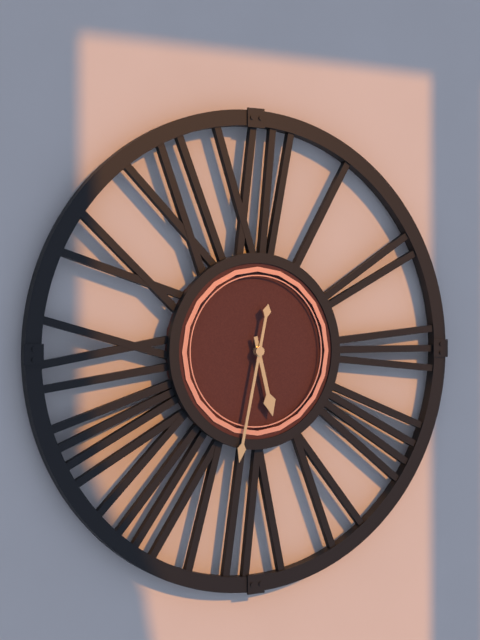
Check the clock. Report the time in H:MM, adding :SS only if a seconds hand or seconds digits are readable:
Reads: 5:32
